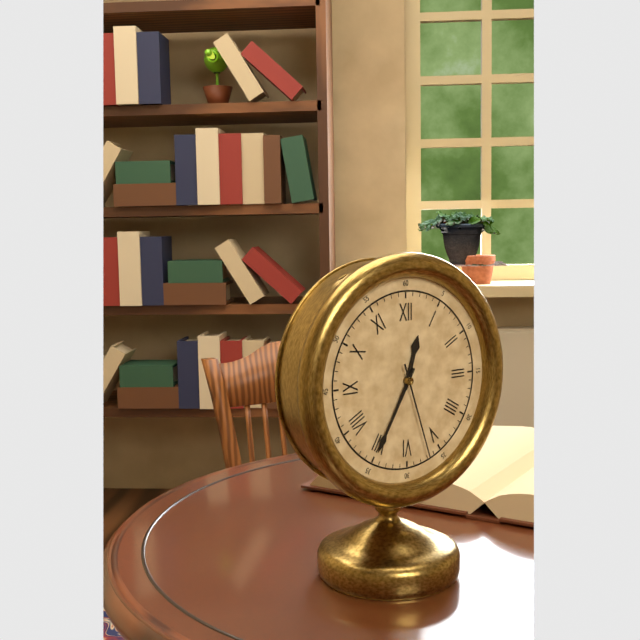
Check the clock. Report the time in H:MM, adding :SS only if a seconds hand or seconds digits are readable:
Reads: 12:35:27
